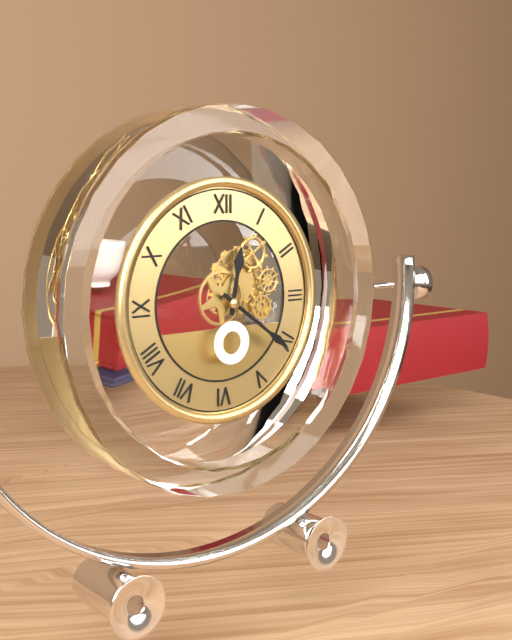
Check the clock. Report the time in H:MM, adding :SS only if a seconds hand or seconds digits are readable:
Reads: 12:21
